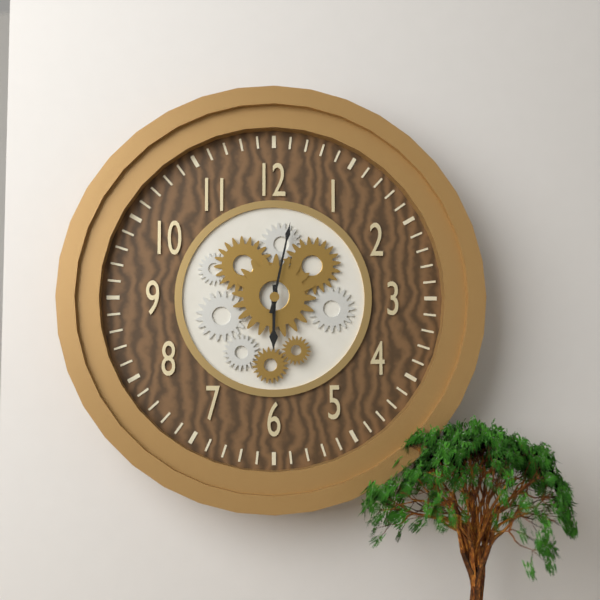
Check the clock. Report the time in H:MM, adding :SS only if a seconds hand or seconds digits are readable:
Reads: 6:02
